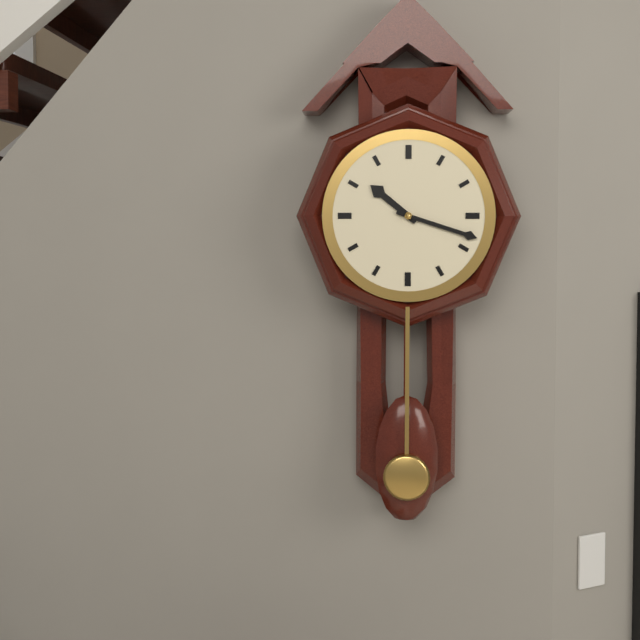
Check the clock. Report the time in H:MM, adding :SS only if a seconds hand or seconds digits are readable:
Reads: 10:18
